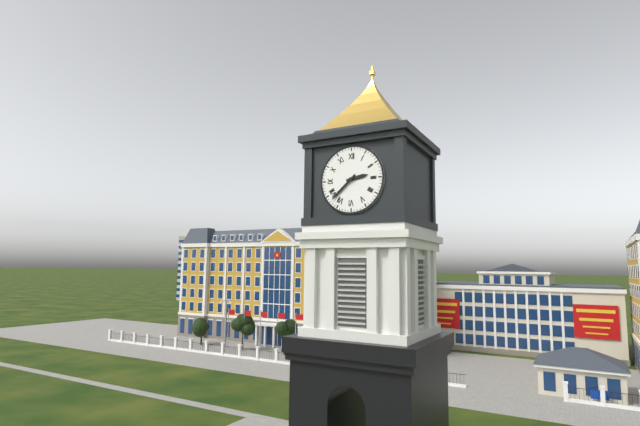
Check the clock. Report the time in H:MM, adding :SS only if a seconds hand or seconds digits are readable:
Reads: 2:38
